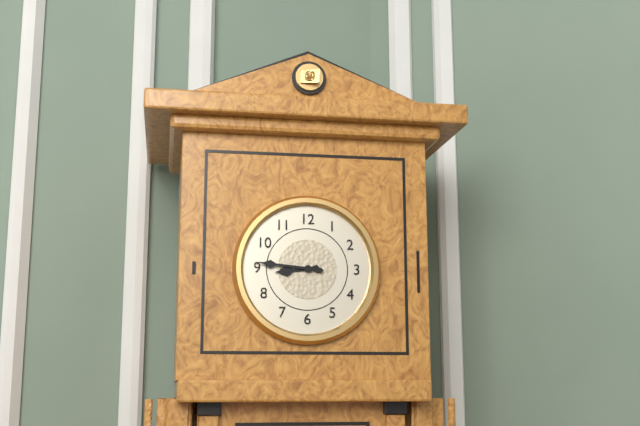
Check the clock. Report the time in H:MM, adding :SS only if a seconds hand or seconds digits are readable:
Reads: 8:46
